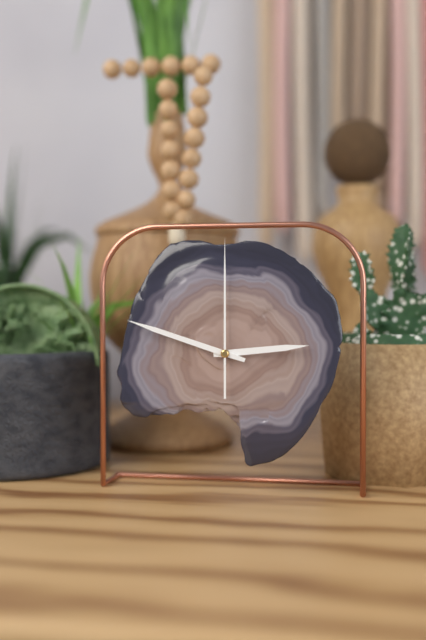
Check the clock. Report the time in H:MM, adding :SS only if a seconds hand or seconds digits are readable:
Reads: 2:48:00
